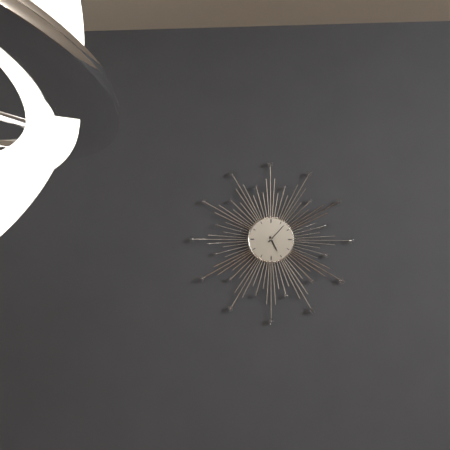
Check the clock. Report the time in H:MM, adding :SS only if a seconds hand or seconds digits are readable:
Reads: 5:07
